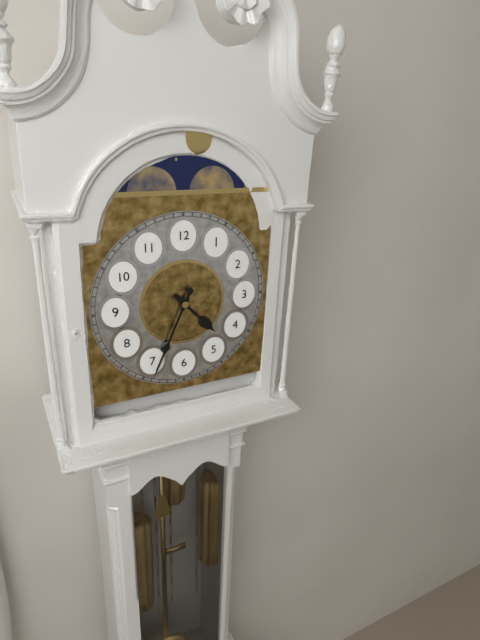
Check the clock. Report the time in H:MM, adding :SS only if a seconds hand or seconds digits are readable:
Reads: 4:34
